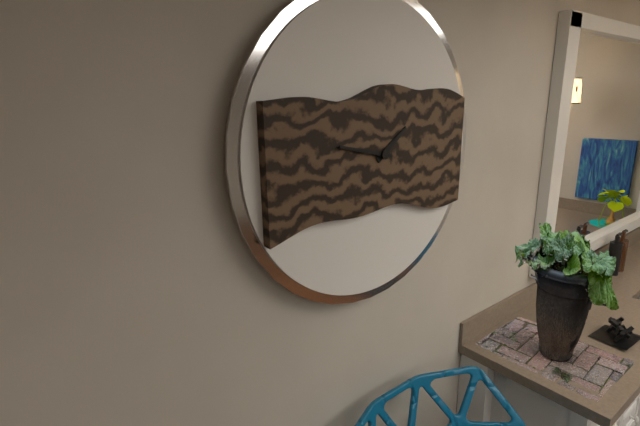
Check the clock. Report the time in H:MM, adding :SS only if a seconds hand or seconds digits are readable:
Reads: 1:47
